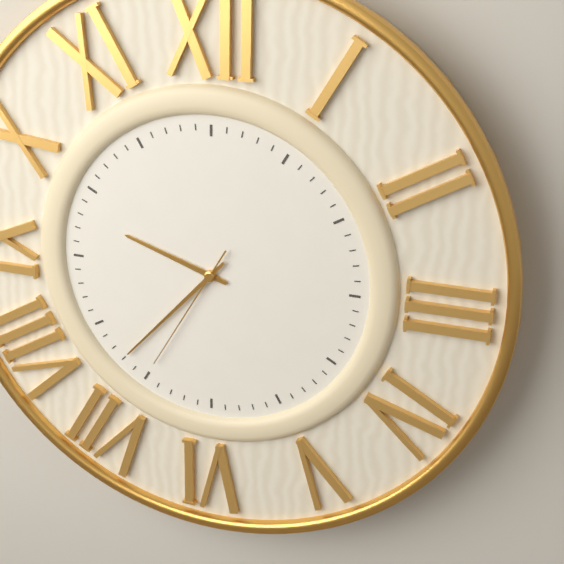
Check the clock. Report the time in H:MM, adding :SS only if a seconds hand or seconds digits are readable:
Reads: 9:37:35
